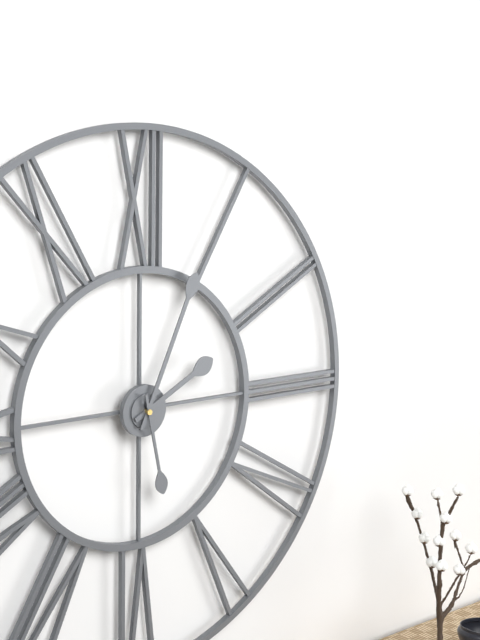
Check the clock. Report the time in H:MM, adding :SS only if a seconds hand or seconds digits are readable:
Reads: 2:04:28
